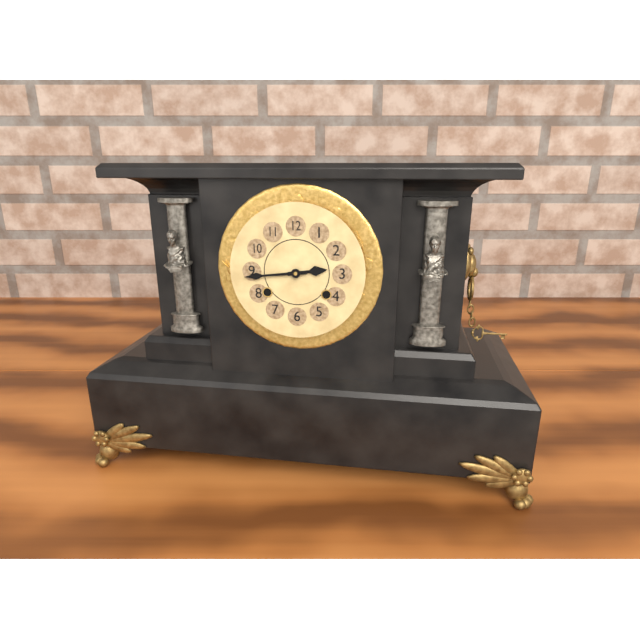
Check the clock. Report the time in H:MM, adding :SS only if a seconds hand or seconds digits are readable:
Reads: 2:44
